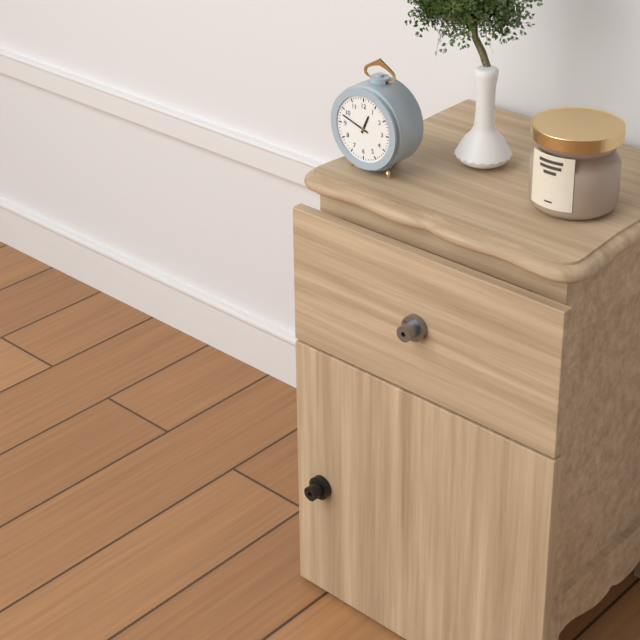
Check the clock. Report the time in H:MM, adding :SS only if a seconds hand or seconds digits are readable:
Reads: 12:48
